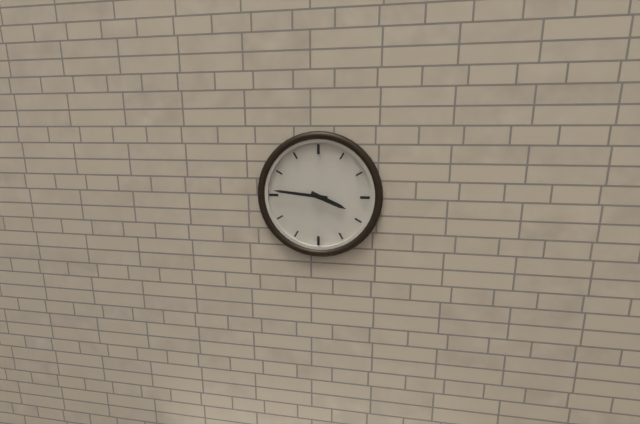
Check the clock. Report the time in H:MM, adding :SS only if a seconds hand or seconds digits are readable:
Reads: 3:46
